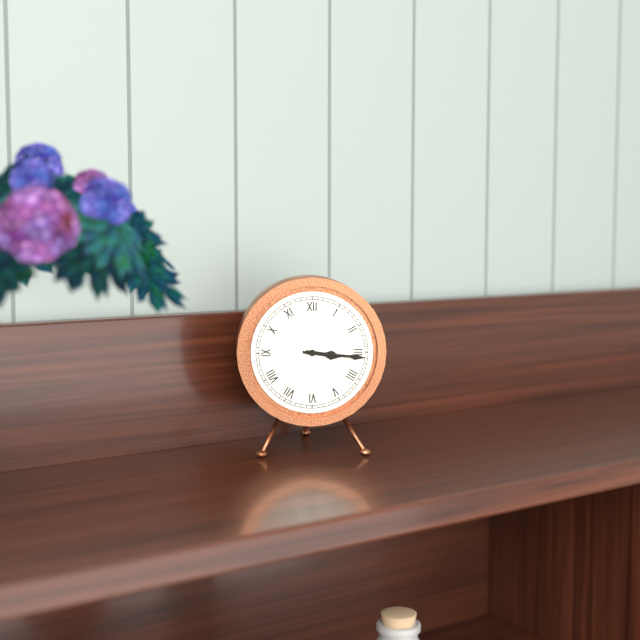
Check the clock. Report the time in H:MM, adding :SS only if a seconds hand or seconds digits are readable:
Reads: 3:16
